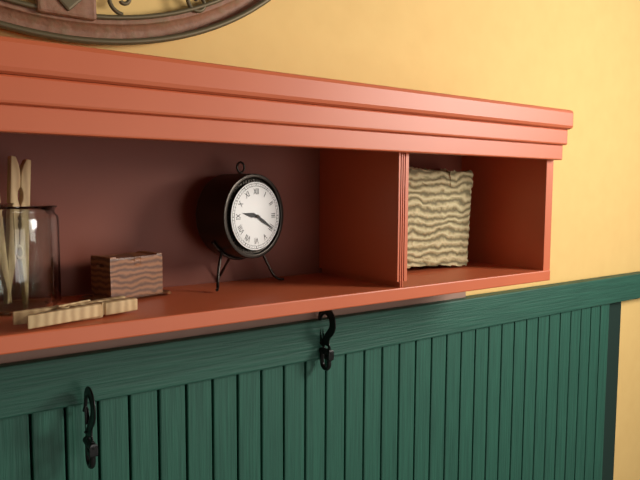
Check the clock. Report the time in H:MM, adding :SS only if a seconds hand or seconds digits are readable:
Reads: 9:20
